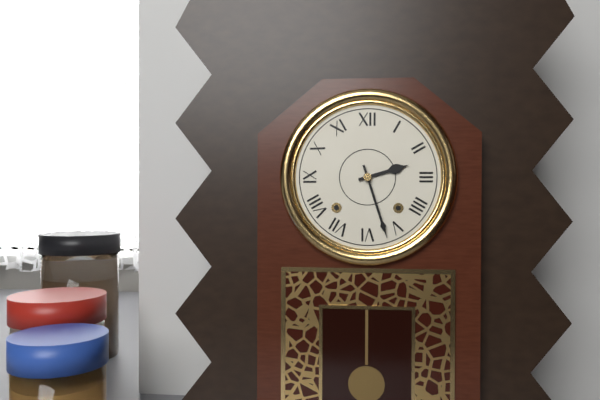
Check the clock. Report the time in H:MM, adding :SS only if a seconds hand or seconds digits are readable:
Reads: 2:27
